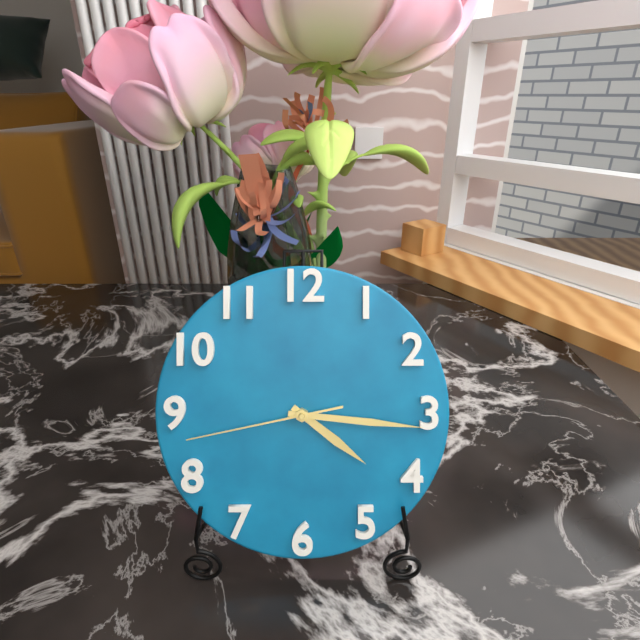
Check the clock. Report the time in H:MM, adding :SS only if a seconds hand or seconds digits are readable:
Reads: 4:16:43
